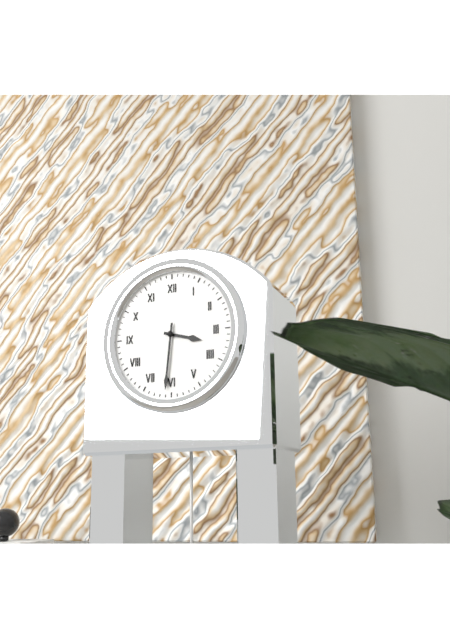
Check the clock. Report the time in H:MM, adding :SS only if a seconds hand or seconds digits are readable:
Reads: 3:31
